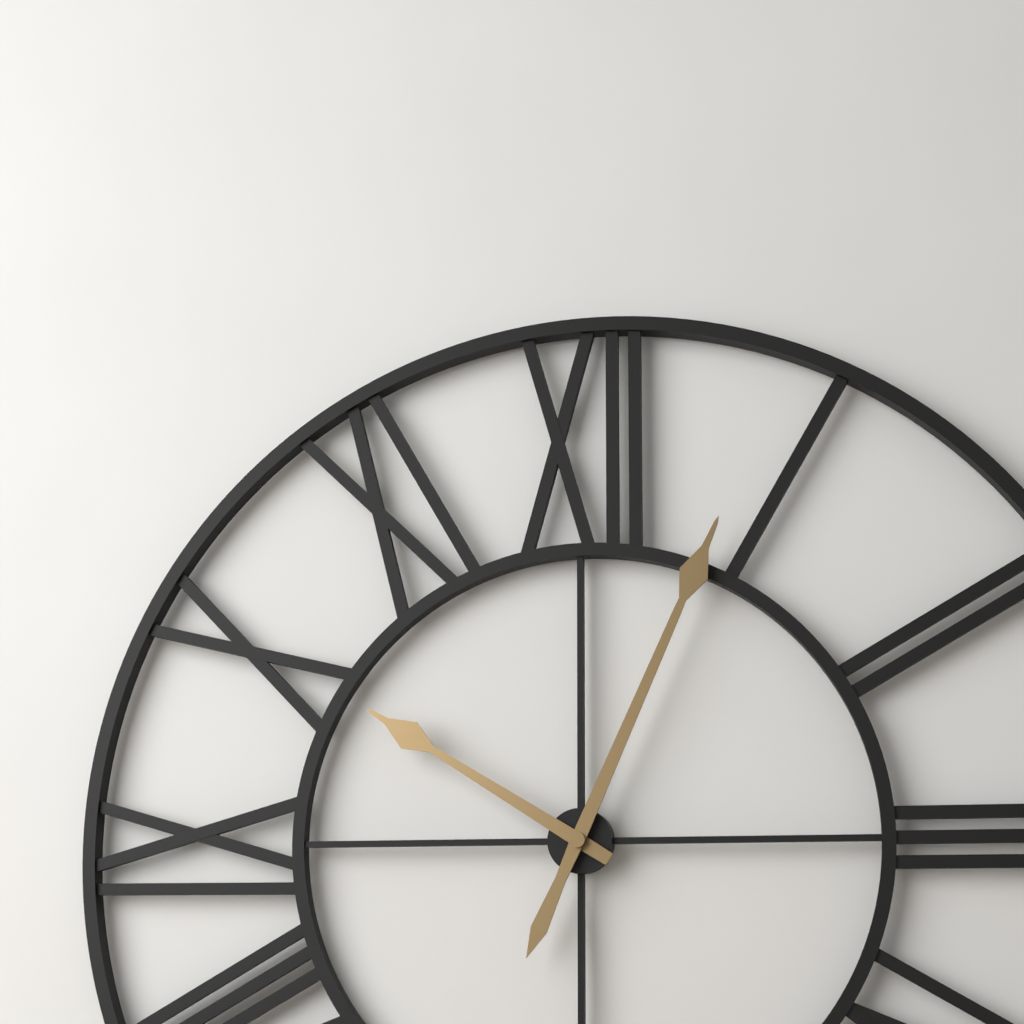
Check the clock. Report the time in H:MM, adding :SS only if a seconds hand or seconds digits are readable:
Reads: 10:04
